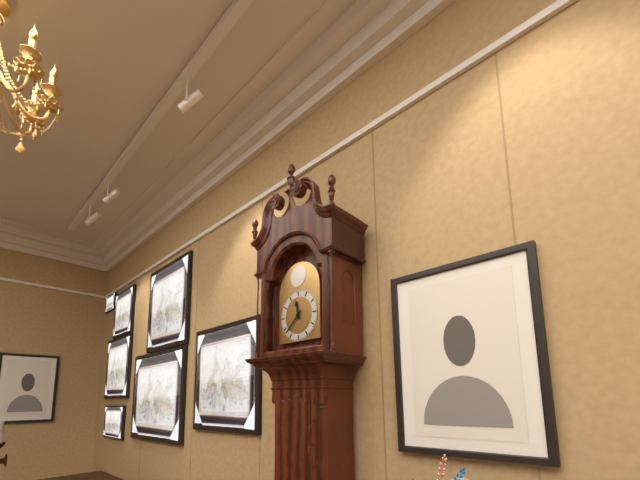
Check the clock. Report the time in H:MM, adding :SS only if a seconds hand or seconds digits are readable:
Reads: 11:38
